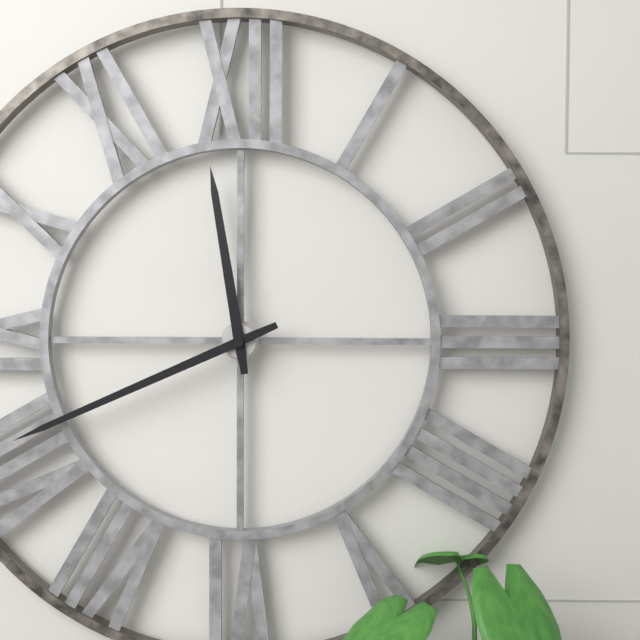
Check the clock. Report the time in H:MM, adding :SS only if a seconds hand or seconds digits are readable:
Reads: 11:41
